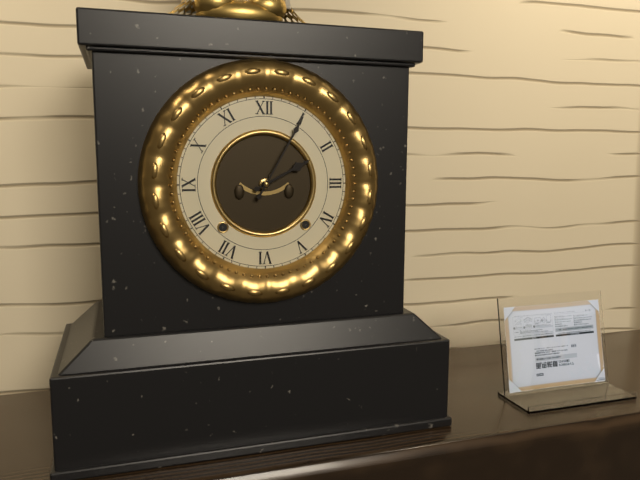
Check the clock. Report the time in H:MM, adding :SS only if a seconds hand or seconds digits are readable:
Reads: 2:05
